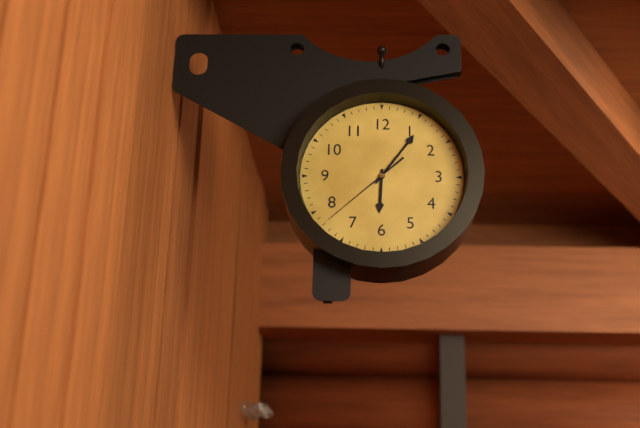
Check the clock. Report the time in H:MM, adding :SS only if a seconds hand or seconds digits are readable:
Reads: 6:06:38
